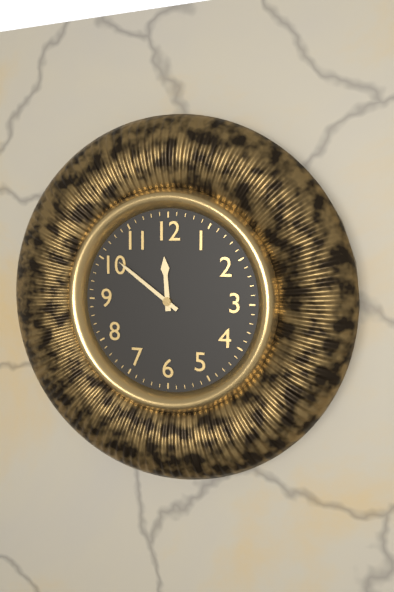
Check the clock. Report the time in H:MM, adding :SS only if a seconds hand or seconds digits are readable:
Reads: 11:51
